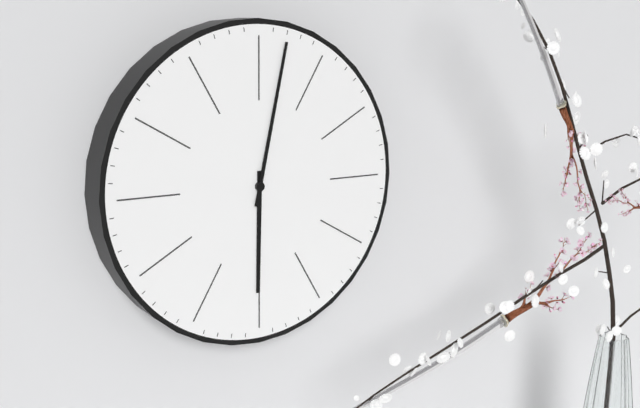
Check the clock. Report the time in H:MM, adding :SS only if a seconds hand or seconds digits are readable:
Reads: 6:02
